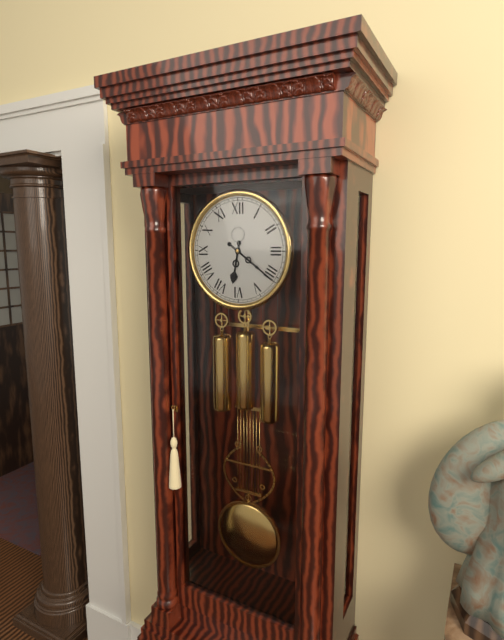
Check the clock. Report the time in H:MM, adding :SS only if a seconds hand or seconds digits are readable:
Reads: 6:21
